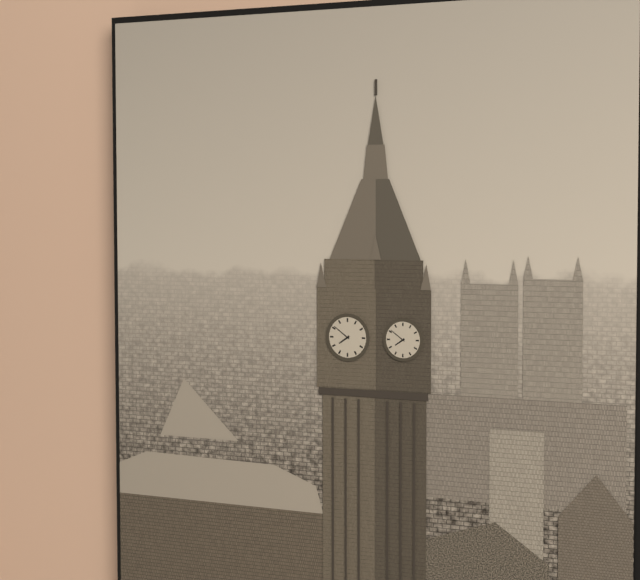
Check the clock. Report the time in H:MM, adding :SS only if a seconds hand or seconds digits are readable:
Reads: 7:51
